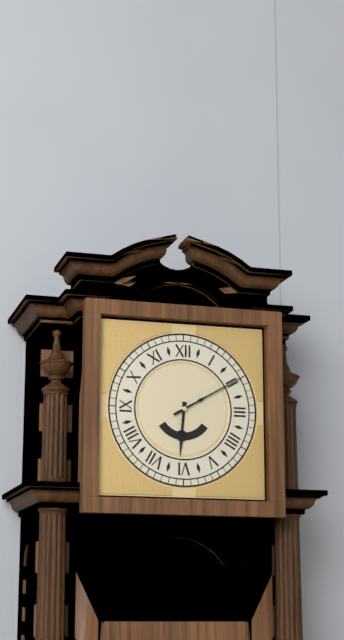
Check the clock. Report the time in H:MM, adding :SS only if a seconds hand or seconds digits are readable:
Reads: 6:10
